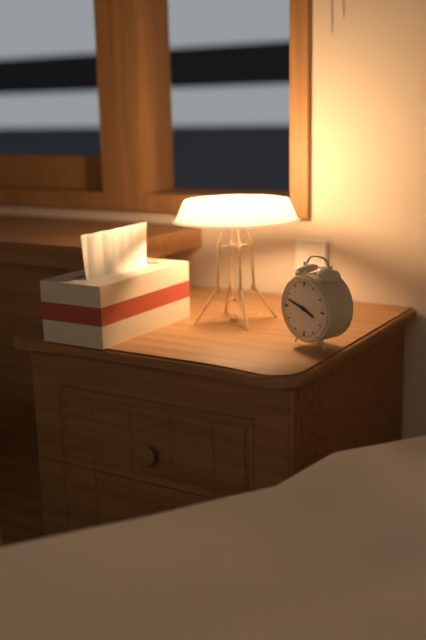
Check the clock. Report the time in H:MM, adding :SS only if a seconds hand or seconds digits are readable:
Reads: 3:48
